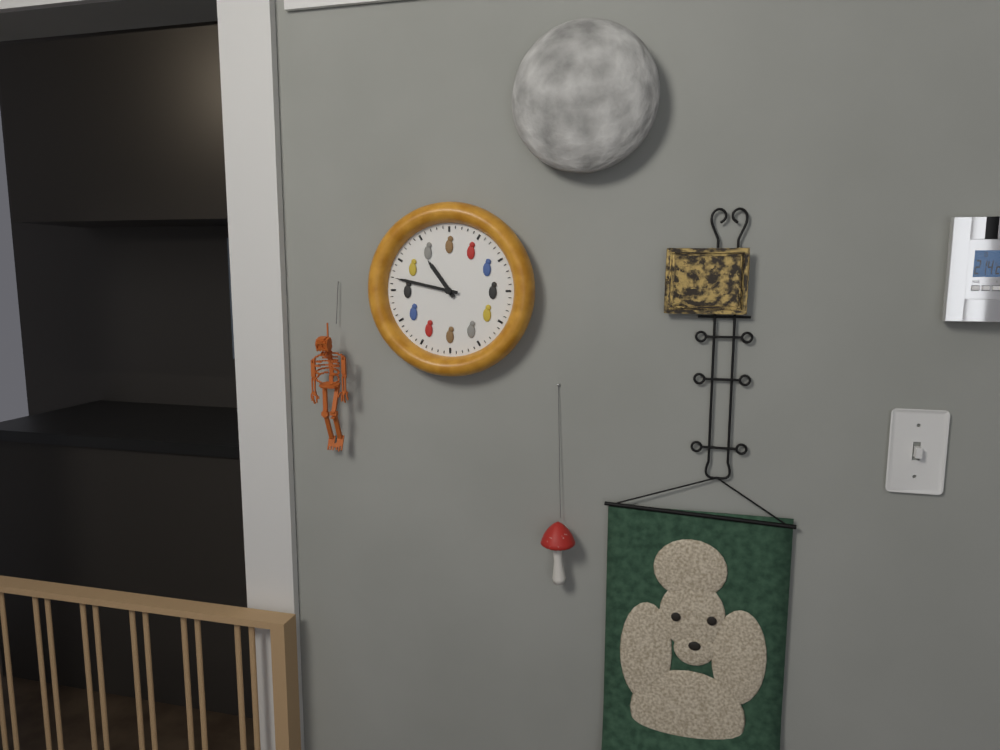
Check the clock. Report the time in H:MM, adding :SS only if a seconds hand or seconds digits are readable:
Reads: 10:47
